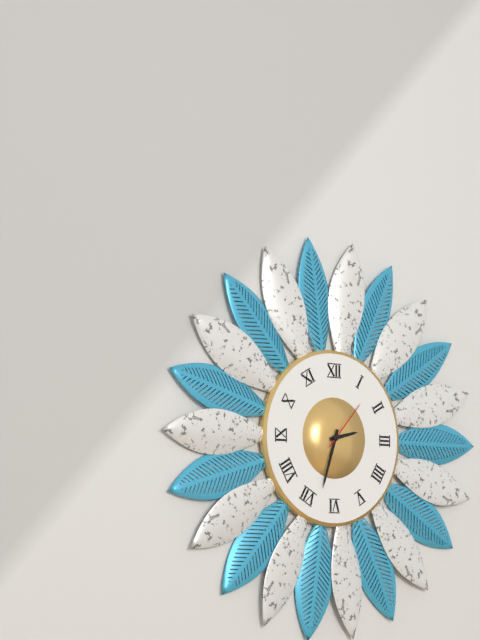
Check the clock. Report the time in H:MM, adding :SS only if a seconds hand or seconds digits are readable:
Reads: 2:33:07
